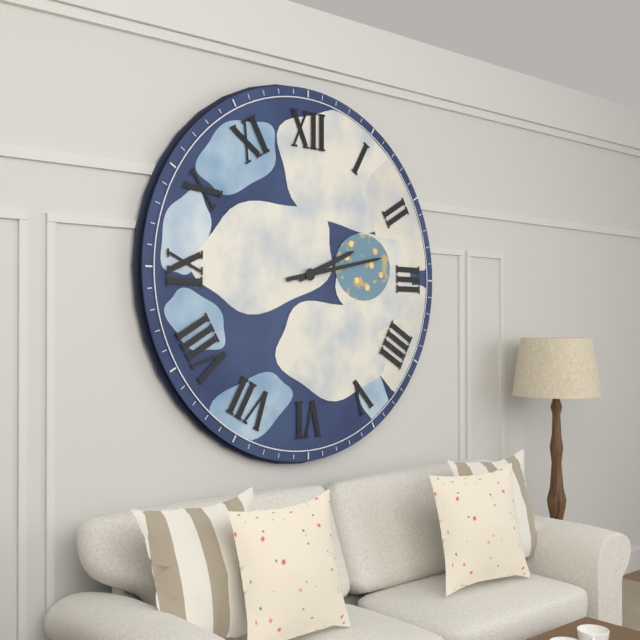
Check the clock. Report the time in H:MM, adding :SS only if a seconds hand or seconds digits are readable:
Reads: 2:13
